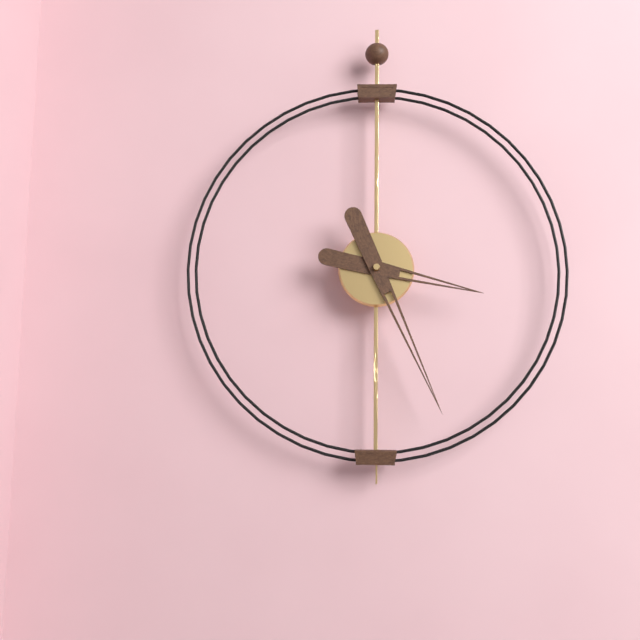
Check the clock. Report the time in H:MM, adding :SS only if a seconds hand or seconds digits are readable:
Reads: 3:26
